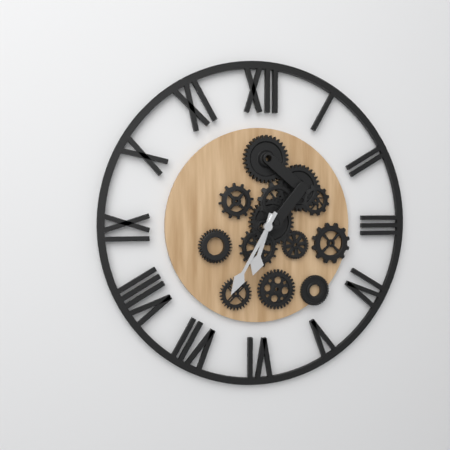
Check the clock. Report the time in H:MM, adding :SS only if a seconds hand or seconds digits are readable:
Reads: 6:35
